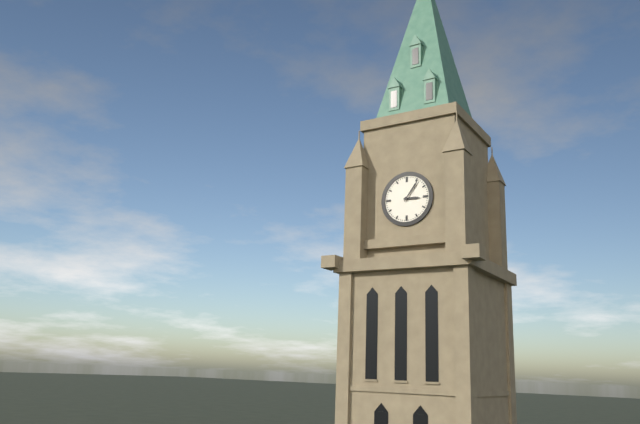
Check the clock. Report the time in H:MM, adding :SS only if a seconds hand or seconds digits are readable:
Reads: 3:06
